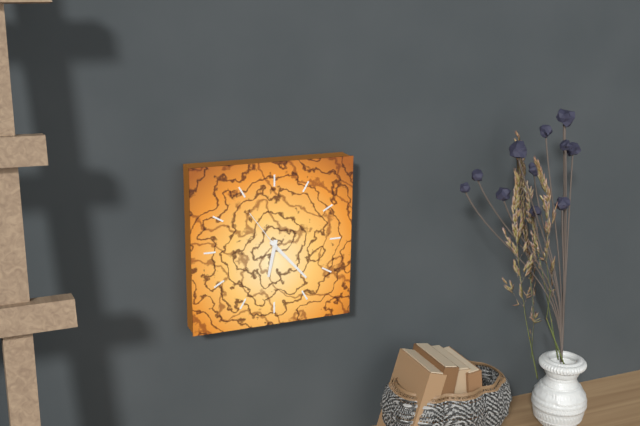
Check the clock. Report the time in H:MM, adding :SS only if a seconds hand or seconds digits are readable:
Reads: 6:23:54
